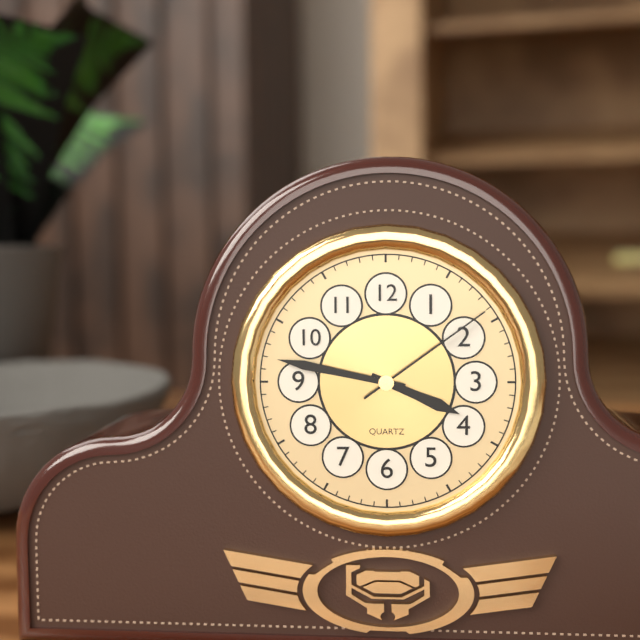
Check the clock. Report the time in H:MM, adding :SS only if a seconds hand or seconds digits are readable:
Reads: 3:47:09
